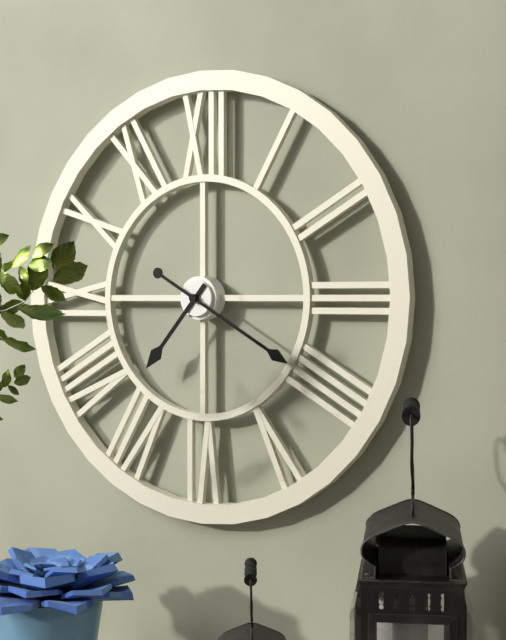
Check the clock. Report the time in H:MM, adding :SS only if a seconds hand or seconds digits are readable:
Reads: 7:20
